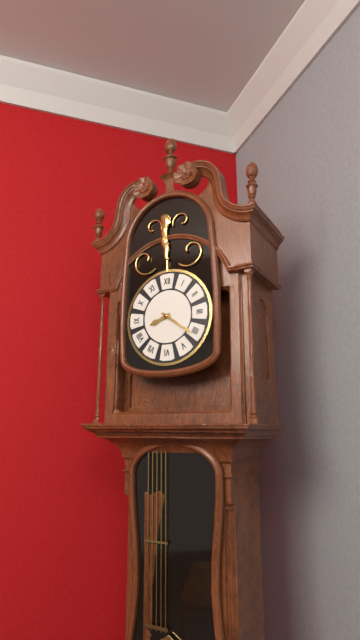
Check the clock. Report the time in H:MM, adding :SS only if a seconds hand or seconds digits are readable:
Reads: 8:21
